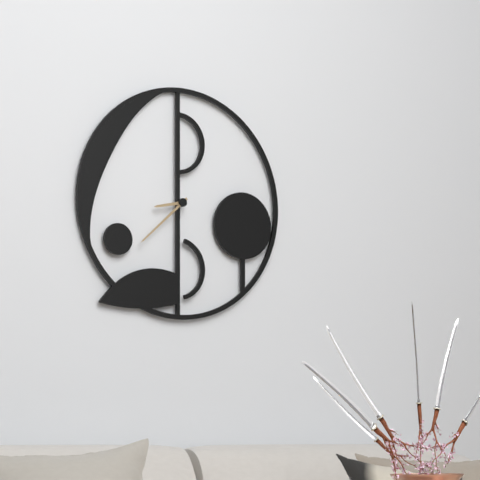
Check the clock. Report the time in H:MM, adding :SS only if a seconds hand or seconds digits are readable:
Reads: 8:38
